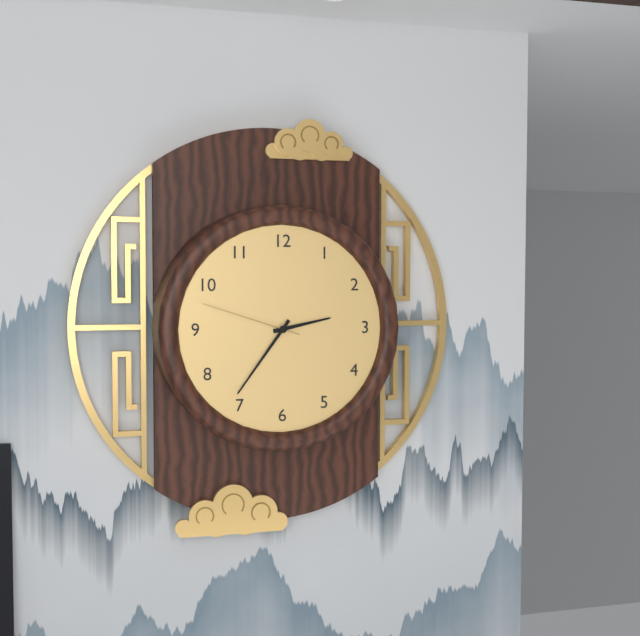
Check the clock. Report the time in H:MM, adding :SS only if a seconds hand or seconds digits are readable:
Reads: 2:36:48
